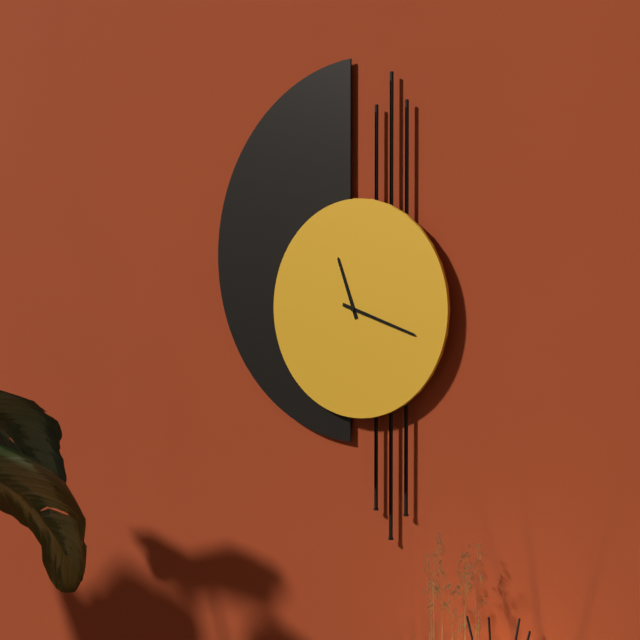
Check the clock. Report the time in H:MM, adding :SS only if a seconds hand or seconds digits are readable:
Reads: 11:18
